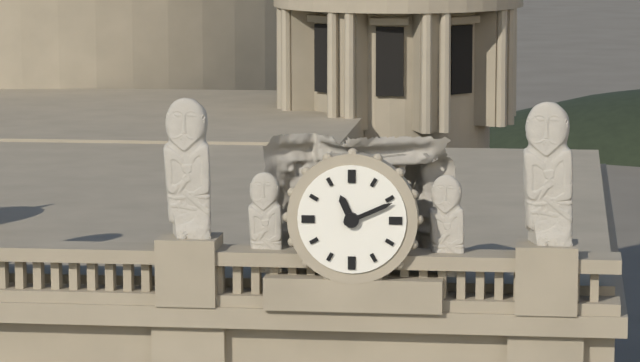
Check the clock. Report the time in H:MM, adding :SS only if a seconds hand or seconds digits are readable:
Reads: 11:11
